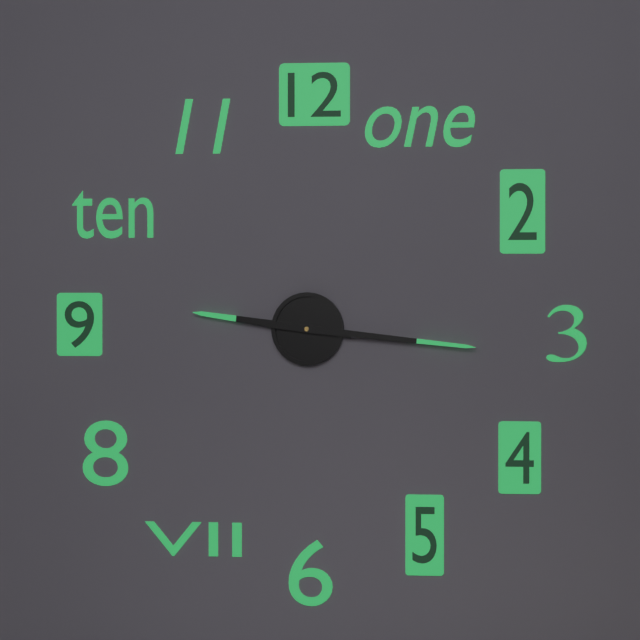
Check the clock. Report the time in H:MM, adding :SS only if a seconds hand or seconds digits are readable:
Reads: 9:16
